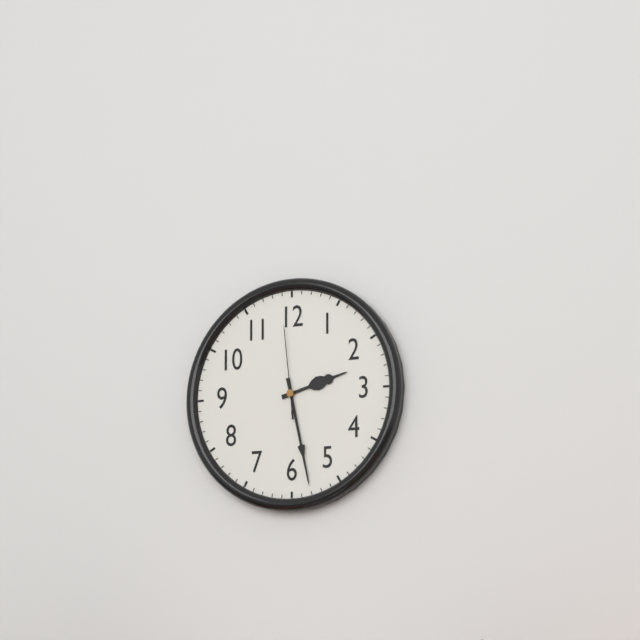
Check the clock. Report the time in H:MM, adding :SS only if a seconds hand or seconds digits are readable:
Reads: 2:28:59
